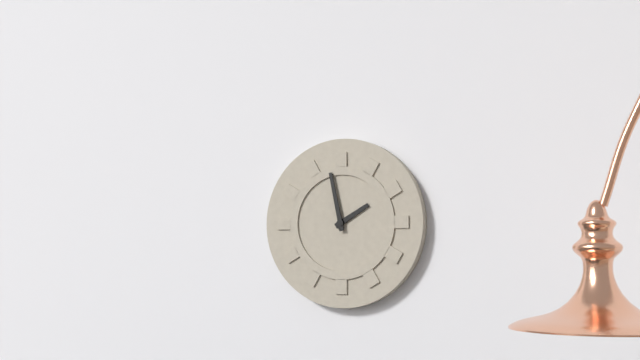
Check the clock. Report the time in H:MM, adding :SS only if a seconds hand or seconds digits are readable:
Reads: 1:58
